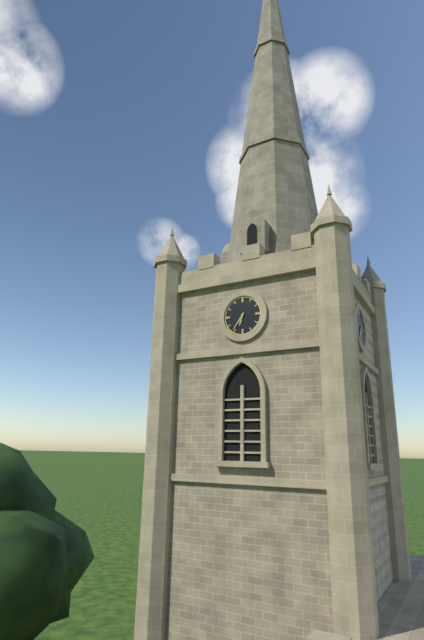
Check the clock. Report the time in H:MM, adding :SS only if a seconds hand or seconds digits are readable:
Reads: 6:36
